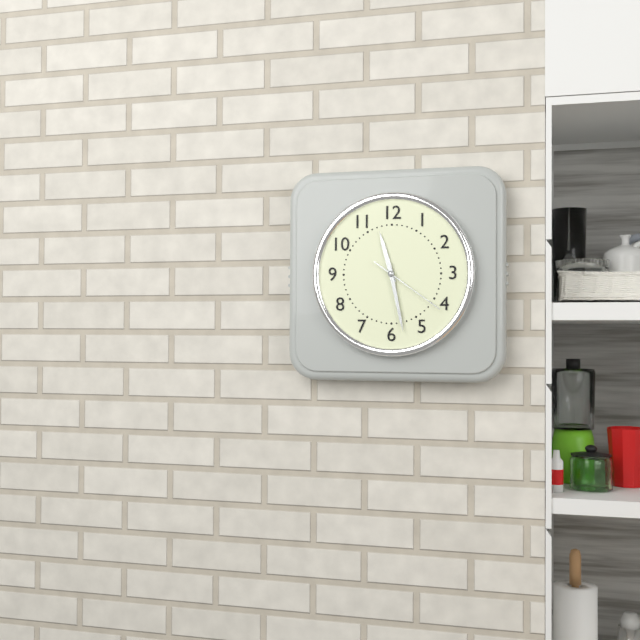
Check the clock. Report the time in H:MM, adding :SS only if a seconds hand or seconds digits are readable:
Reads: 11:28:21
